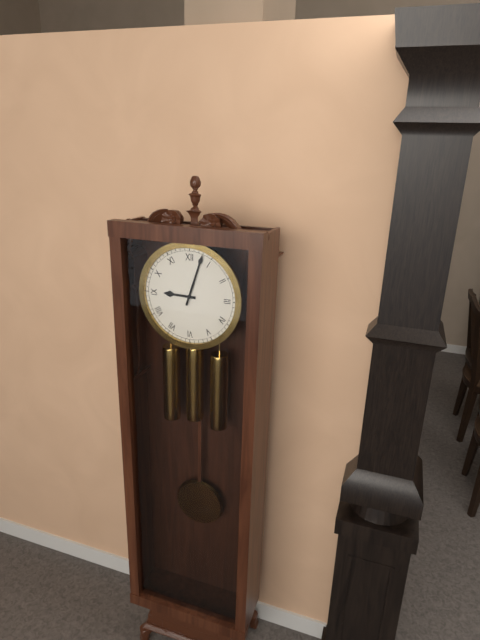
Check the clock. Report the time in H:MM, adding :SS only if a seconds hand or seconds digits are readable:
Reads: 9:03
